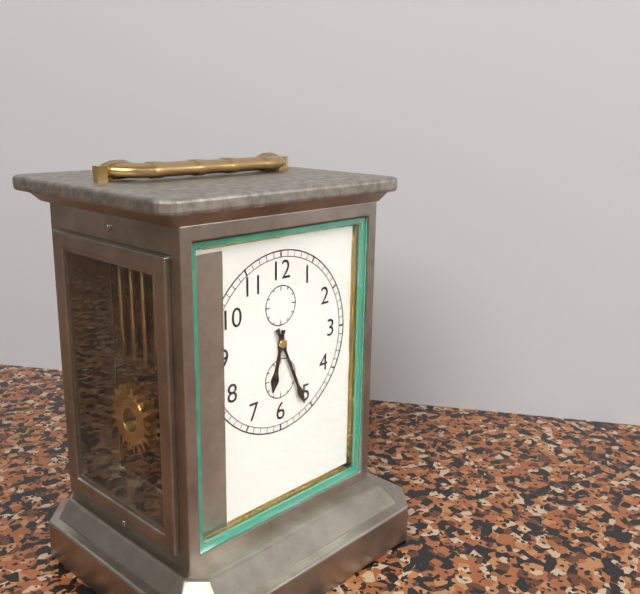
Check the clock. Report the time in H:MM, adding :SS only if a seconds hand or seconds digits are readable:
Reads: 6:26
